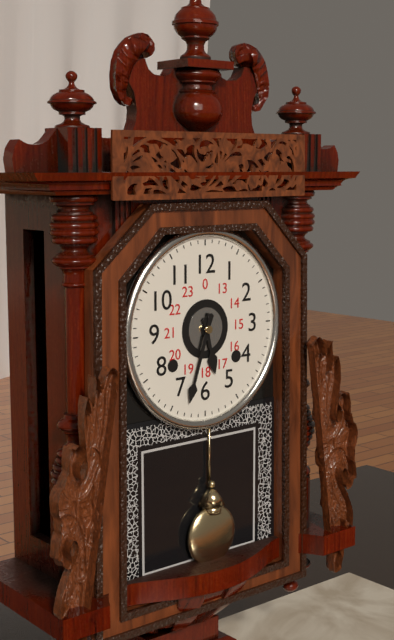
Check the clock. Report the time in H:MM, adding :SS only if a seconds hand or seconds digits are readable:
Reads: 5:33
